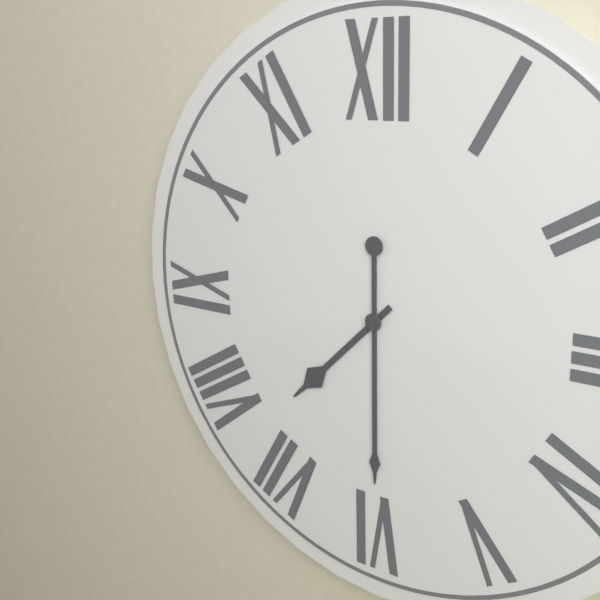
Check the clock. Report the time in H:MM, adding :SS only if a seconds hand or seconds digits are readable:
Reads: 7:30
